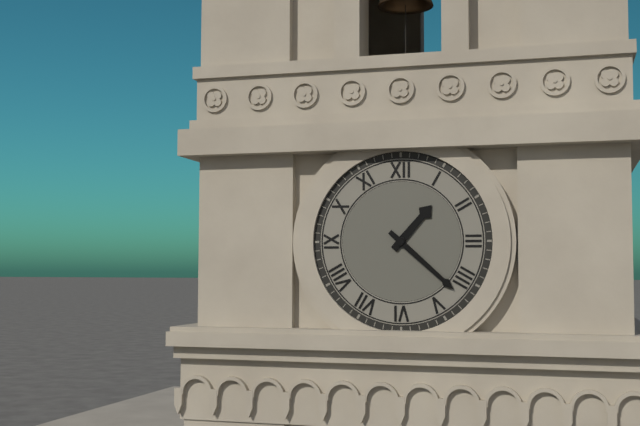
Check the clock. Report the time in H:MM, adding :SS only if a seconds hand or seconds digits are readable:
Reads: 1:22
